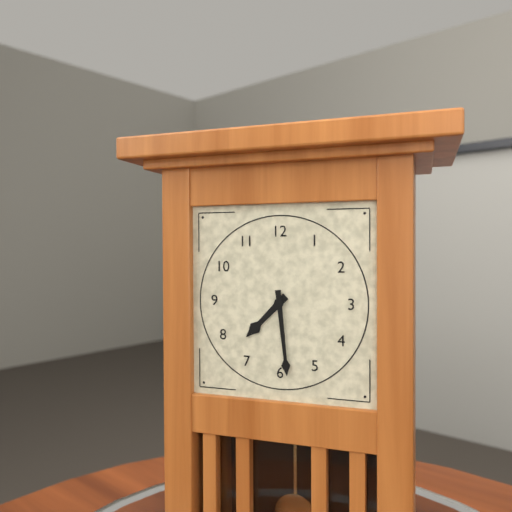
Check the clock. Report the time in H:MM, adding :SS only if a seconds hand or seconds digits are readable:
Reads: 7:29
